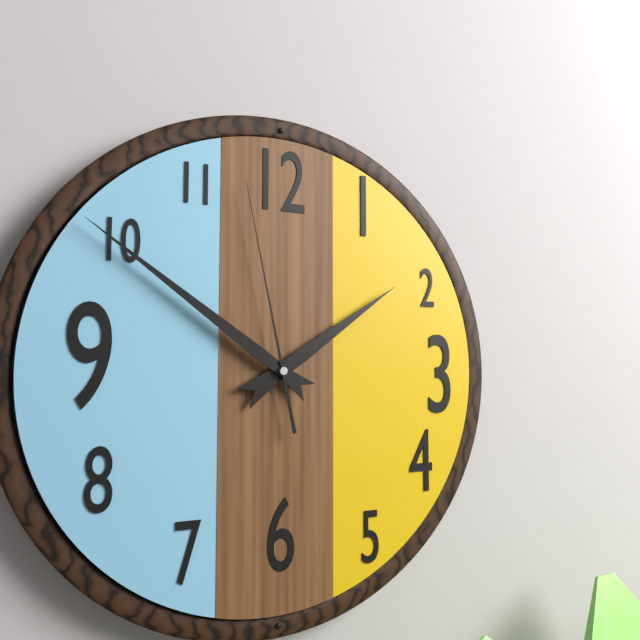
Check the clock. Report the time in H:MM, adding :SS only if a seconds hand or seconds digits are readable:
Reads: 1:51:58
